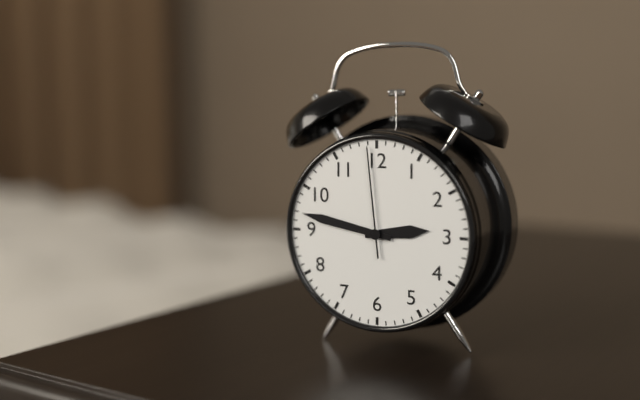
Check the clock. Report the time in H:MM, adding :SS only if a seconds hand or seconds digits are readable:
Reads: 2:47:59
